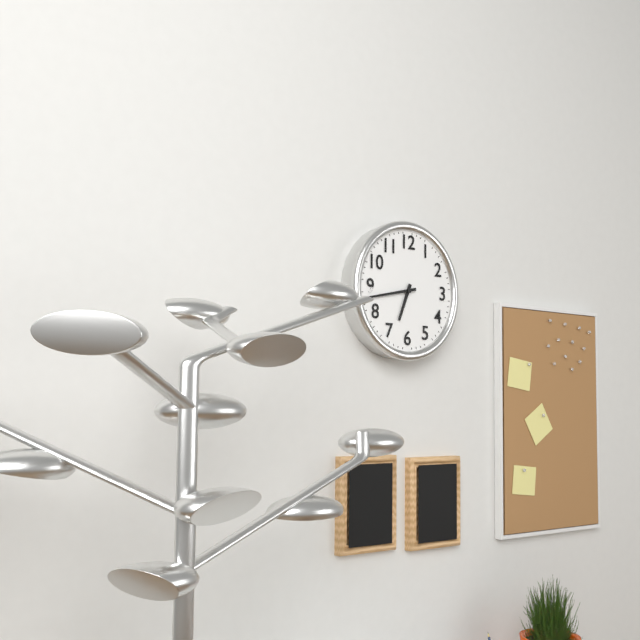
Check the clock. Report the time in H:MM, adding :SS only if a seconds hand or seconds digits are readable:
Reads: 6:43
